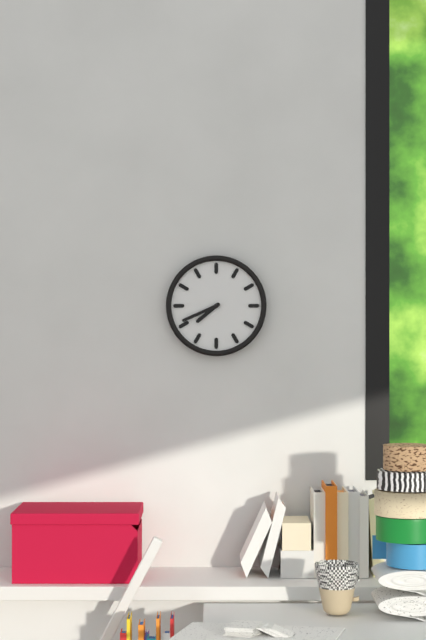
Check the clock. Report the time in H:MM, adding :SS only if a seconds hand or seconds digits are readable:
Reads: 7:41
